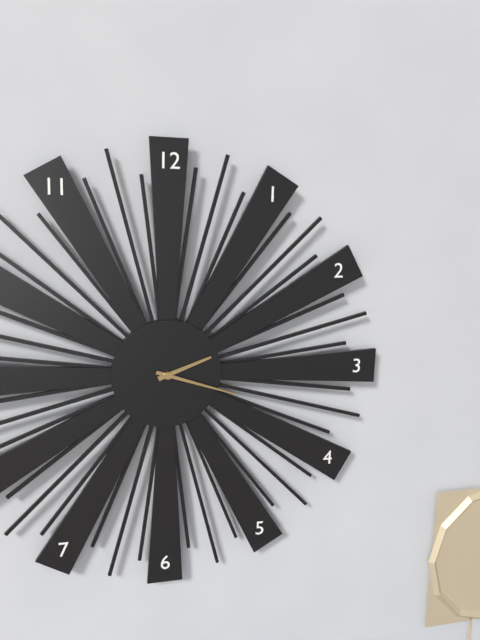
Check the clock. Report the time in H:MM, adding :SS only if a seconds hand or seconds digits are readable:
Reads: 2:18
